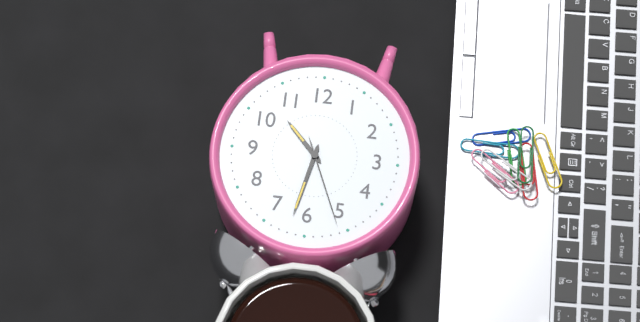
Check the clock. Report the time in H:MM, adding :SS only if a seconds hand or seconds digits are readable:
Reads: 10:32:26
